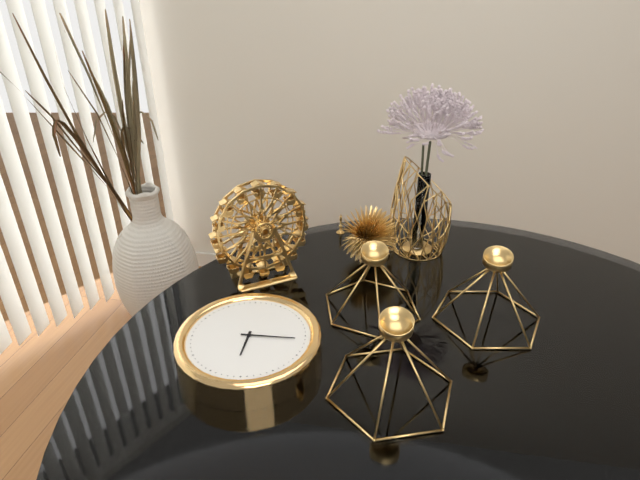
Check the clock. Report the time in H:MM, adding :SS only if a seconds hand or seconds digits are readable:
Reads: 6:16
